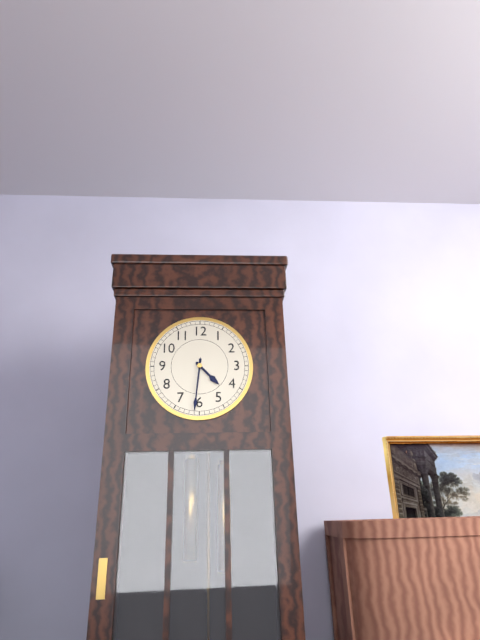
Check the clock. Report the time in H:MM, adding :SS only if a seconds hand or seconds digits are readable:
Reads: 4:31
